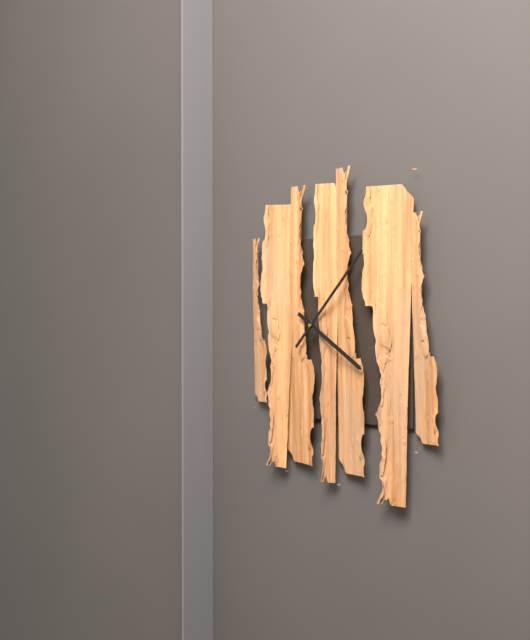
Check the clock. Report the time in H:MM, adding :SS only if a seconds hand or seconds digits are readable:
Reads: 4:07
